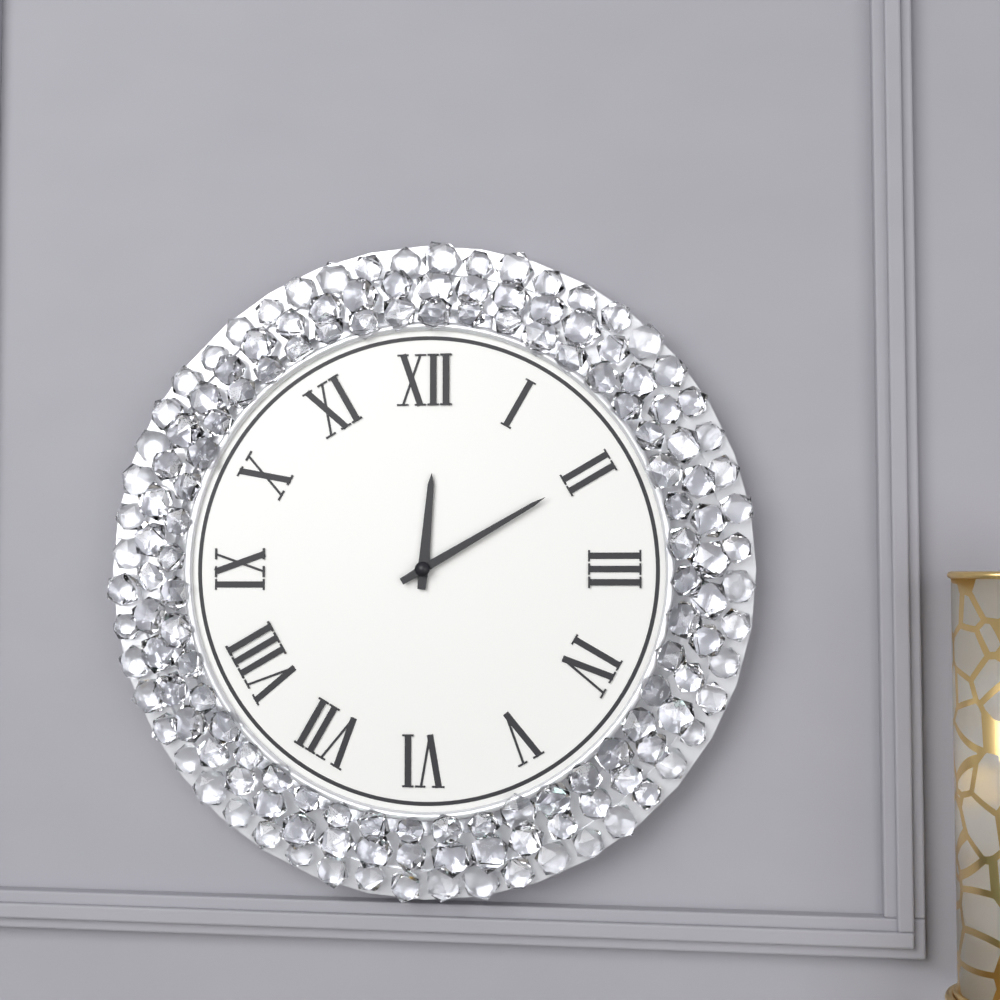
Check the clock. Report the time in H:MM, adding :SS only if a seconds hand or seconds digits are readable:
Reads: 12:10
